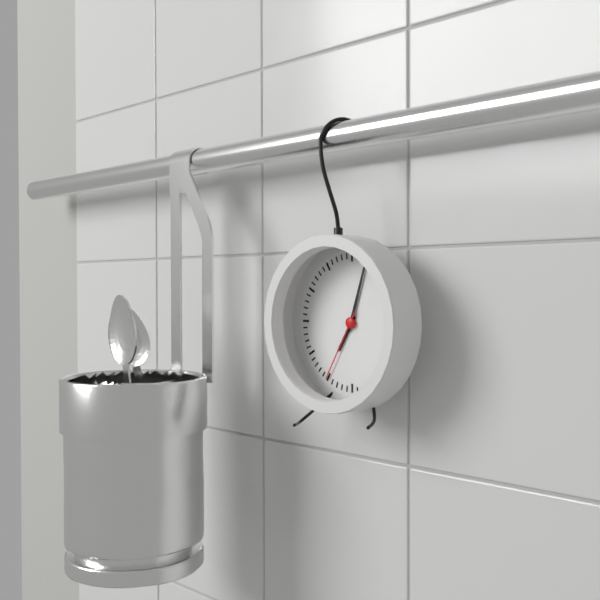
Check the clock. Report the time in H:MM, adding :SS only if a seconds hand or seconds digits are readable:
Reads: 7:03:35
